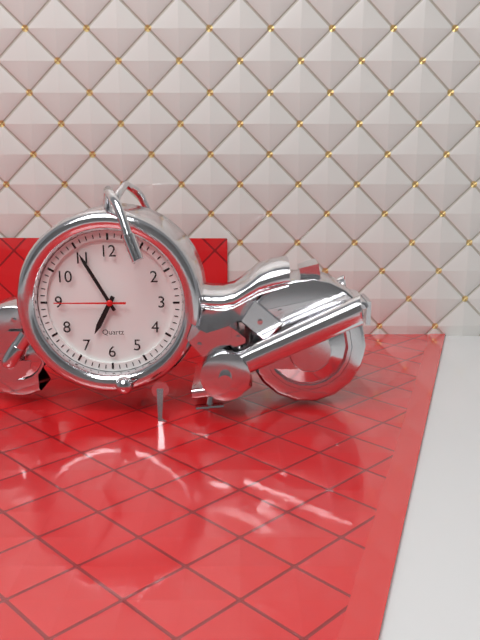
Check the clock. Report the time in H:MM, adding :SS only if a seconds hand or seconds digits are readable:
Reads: 6:55:45
